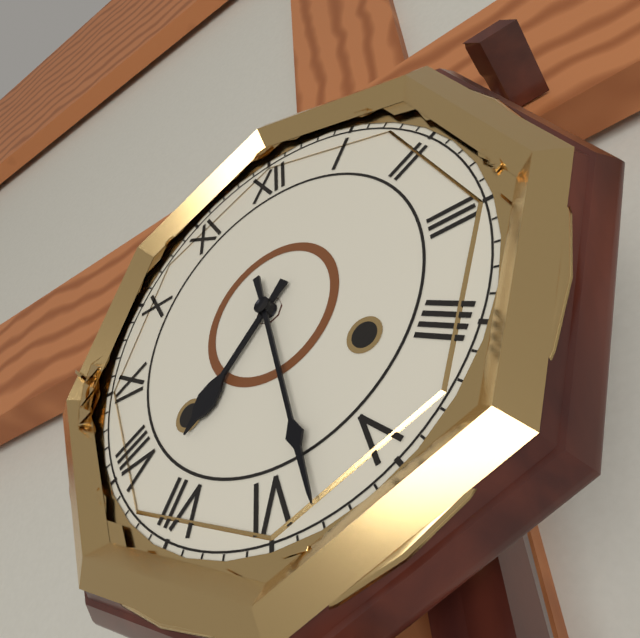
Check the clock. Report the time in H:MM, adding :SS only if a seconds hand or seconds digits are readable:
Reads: 7:28
